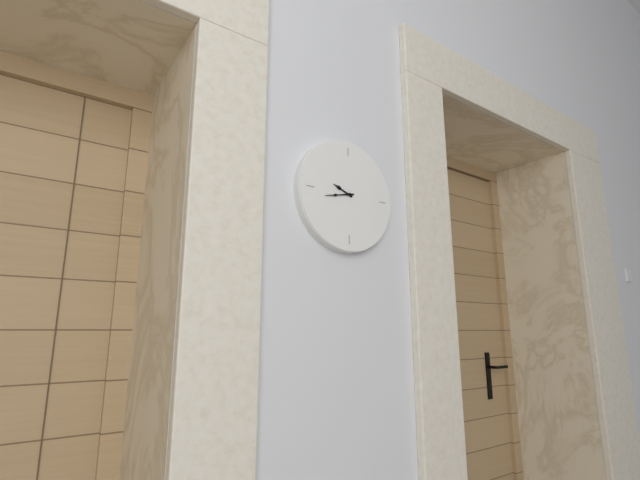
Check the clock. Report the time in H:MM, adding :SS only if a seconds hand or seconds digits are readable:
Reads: 9:43
